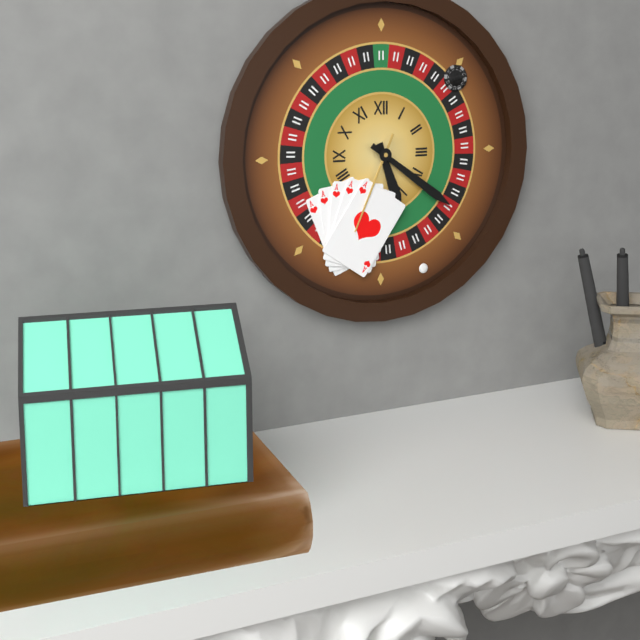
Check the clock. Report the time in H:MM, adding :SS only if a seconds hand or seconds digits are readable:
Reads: 5:21:34
